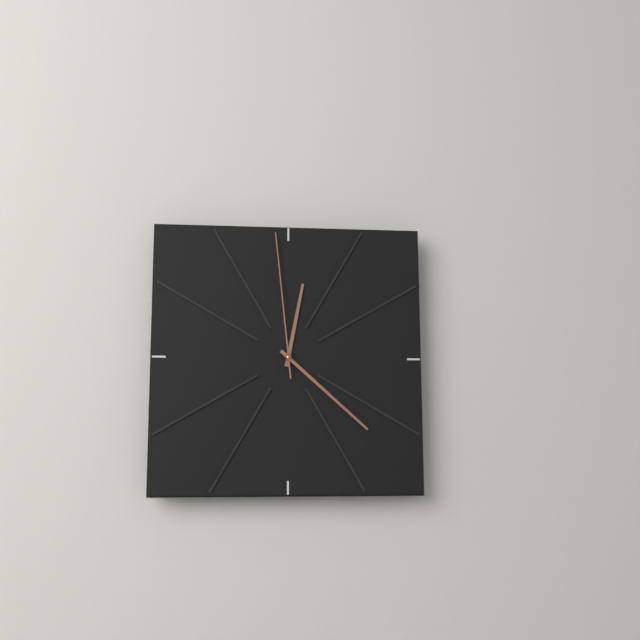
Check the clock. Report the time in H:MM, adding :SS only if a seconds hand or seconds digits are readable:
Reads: 12:22:59
